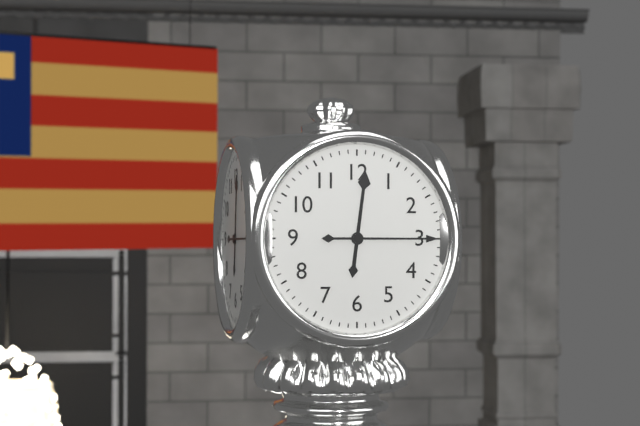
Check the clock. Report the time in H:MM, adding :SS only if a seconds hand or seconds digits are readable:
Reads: 12:15
